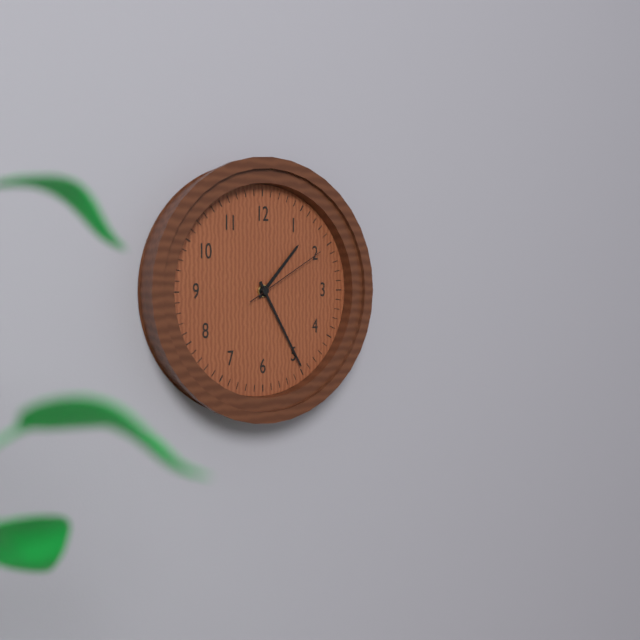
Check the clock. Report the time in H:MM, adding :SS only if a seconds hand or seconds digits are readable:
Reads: 1:25:10
